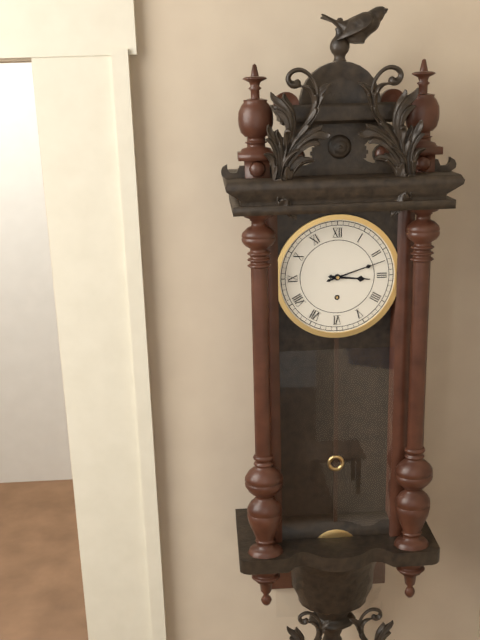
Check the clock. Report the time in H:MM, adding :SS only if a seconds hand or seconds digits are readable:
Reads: 3:12
